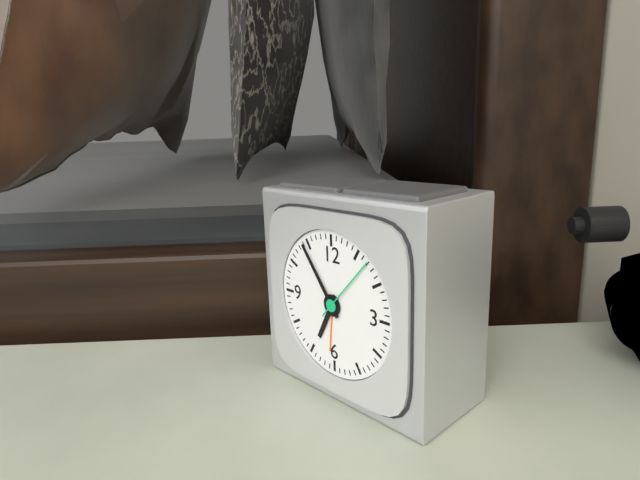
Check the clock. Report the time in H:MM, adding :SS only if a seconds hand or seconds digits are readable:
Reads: 6:54
